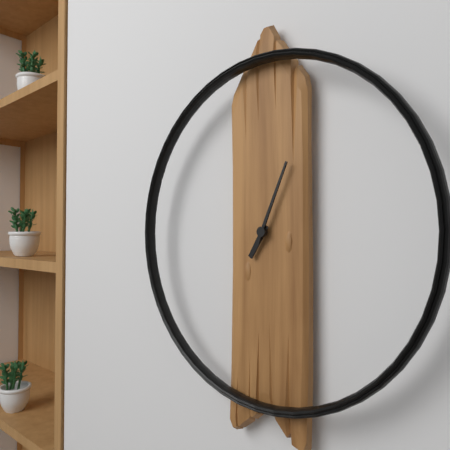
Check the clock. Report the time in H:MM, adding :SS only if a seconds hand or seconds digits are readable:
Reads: 7:04
